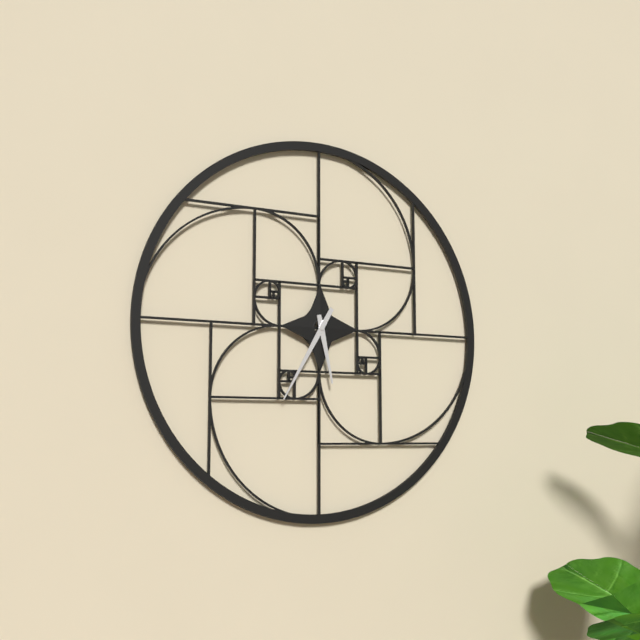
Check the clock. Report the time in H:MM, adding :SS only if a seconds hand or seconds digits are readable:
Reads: 5:35
